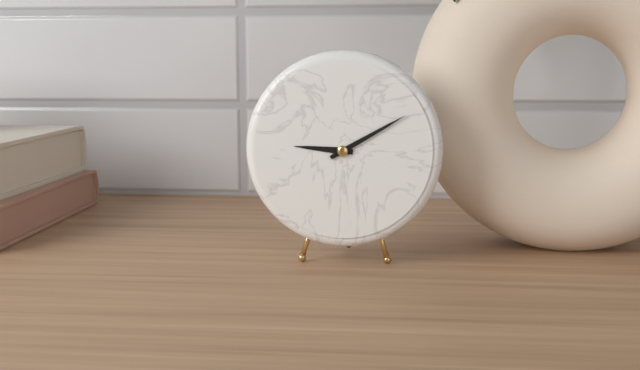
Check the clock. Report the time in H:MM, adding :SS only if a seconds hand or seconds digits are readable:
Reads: 9:10
